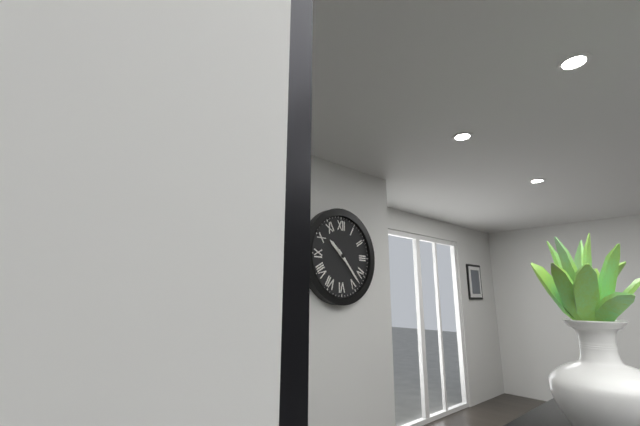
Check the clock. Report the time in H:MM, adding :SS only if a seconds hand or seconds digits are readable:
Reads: 10:23
